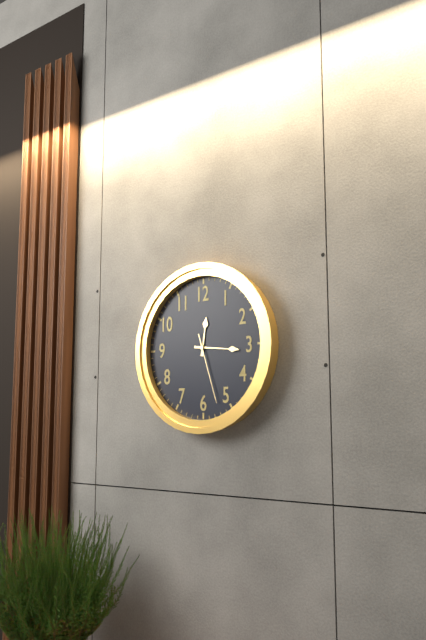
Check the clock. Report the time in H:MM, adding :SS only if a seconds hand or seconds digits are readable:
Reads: 12:16:27
